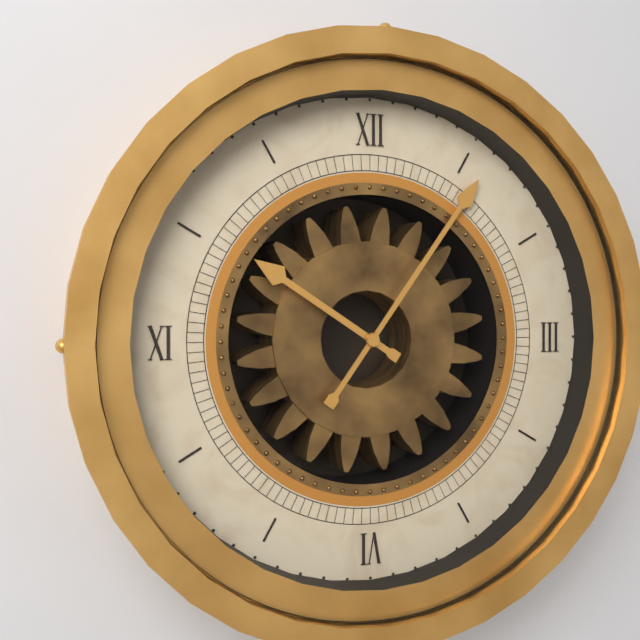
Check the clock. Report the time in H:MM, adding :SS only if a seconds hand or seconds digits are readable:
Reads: 10:06
